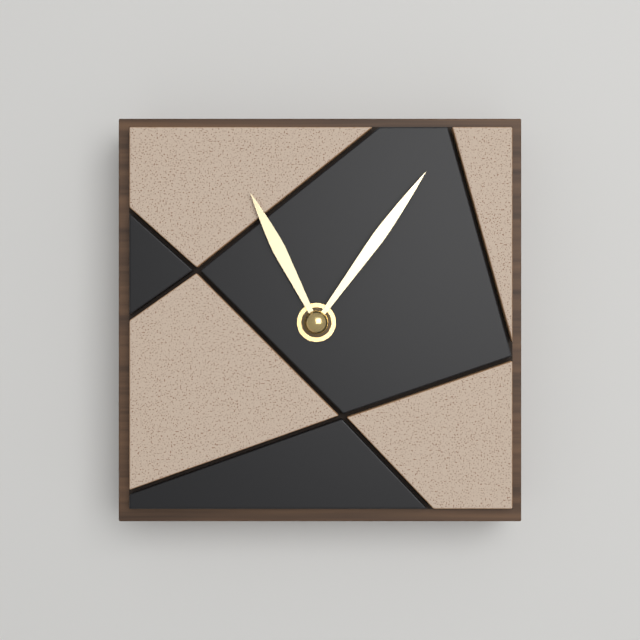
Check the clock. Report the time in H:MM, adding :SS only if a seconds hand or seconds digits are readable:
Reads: 11:06
